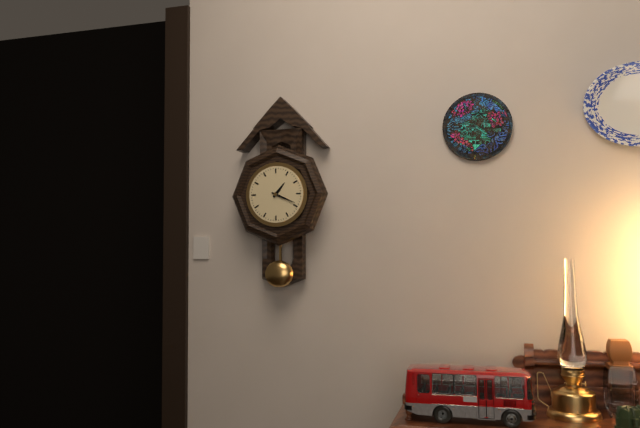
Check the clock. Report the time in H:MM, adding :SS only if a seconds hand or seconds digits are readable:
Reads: 1:19
